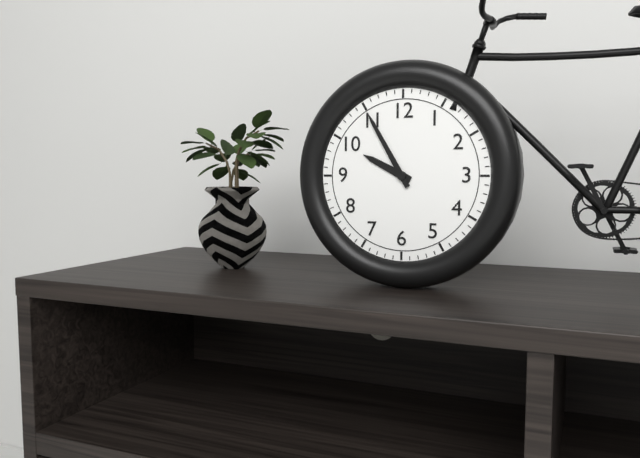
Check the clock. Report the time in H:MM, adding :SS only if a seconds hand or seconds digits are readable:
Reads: 9:55
